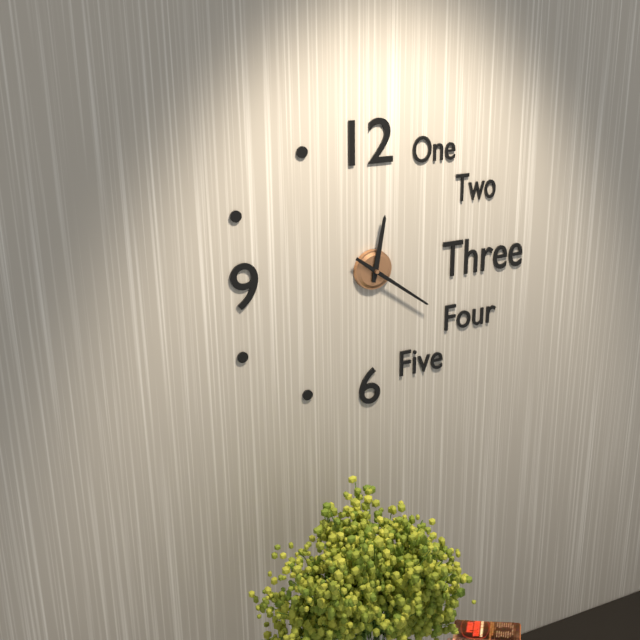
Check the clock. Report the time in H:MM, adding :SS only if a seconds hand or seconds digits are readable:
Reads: 12:21
